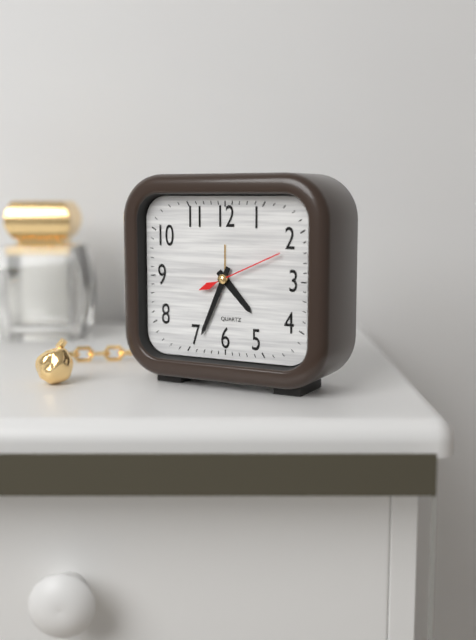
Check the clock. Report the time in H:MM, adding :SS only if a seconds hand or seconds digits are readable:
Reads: 4:34:11
